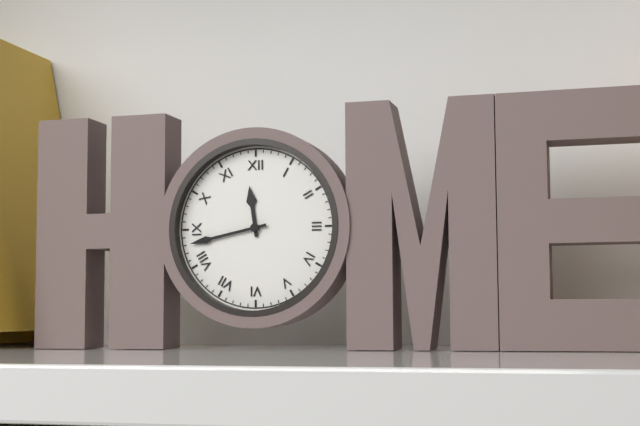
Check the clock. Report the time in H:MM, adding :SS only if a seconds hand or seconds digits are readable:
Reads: 11:43
